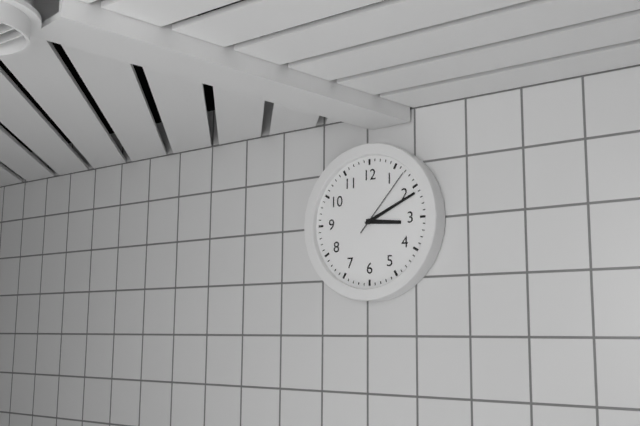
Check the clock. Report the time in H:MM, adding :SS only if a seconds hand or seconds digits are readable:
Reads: 3:11:07
